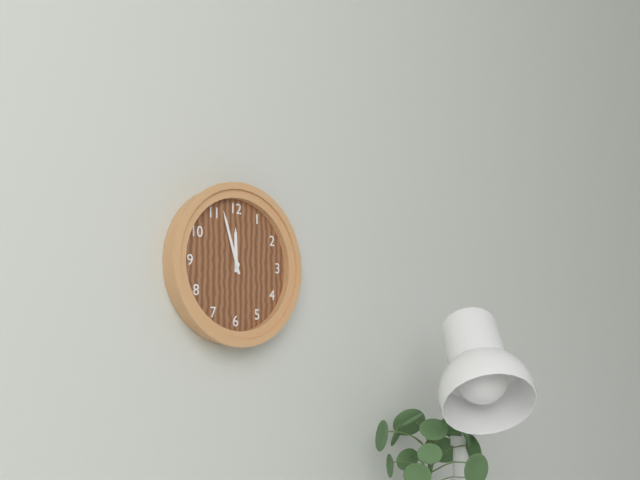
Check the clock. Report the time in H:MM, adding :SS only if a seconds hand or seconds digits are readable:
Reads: 11:57
